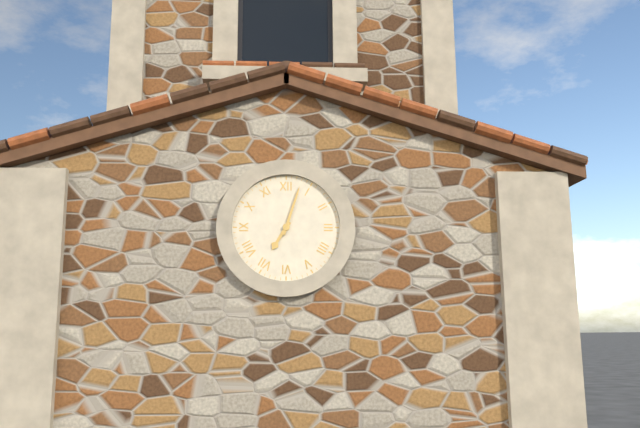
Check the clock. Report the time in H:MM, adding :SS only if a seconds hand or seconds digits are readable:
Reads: 7:03
